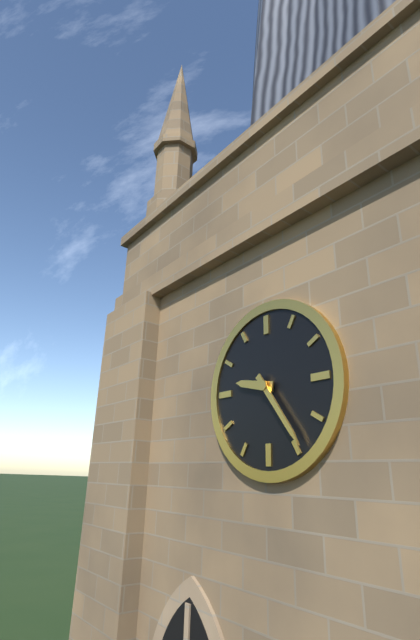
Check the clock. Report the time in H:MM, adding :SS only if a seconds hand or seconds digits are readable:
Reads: 9:24
